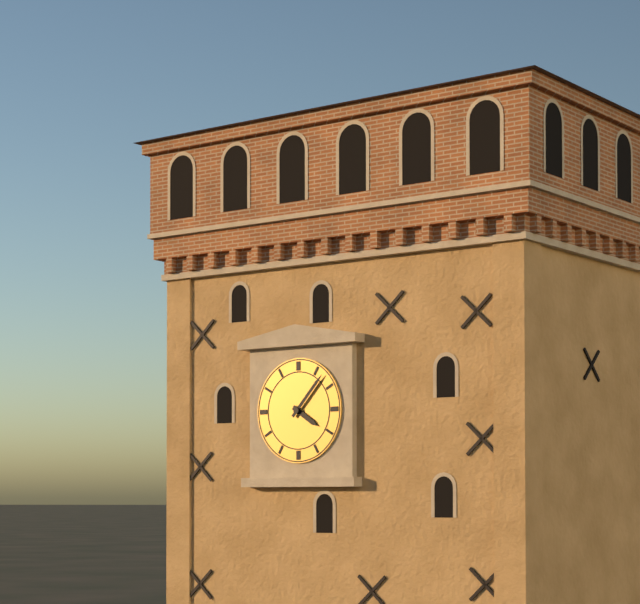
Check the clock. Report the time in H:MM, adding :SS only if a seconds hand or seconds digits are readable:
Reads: 4:07
